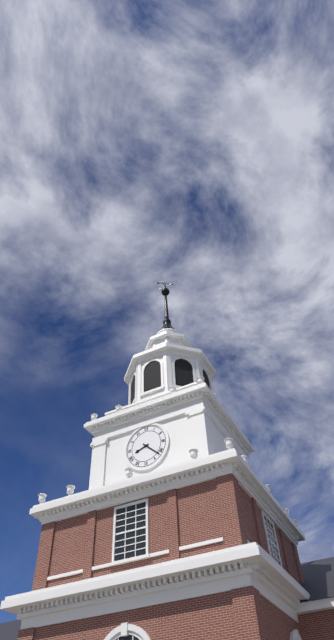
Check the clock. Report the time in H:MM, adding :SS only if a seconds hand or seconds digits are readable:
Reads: 8:22
